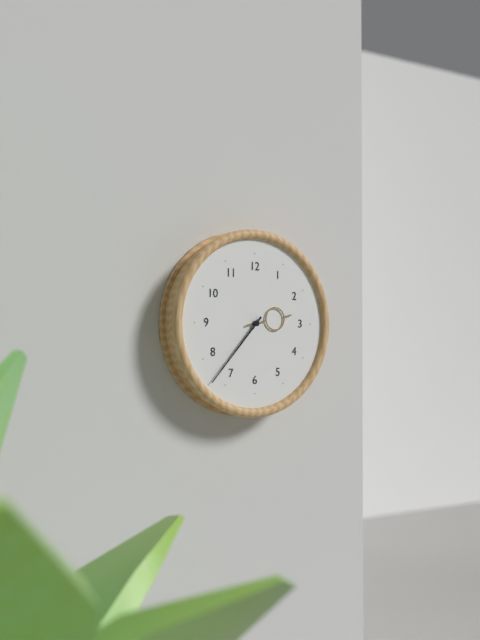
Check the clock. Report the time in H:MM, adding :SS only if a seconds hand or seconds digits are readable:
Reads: 2:37
